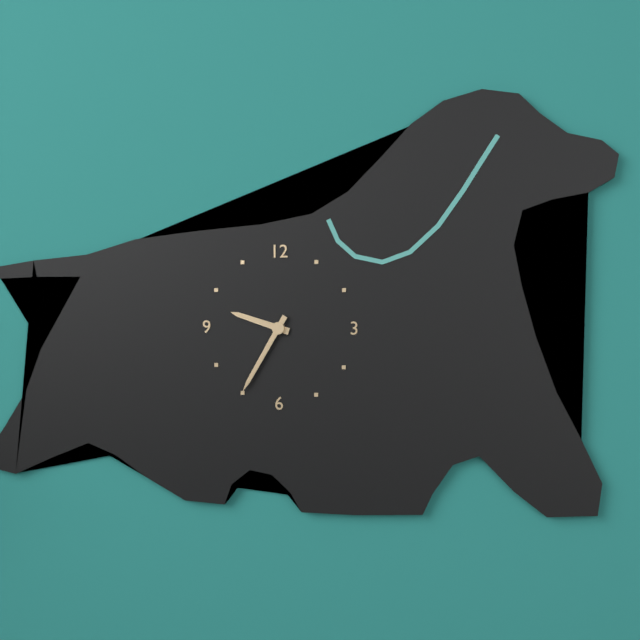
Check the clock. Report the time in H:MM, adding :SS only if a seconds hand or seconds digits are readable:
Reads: 9:35
